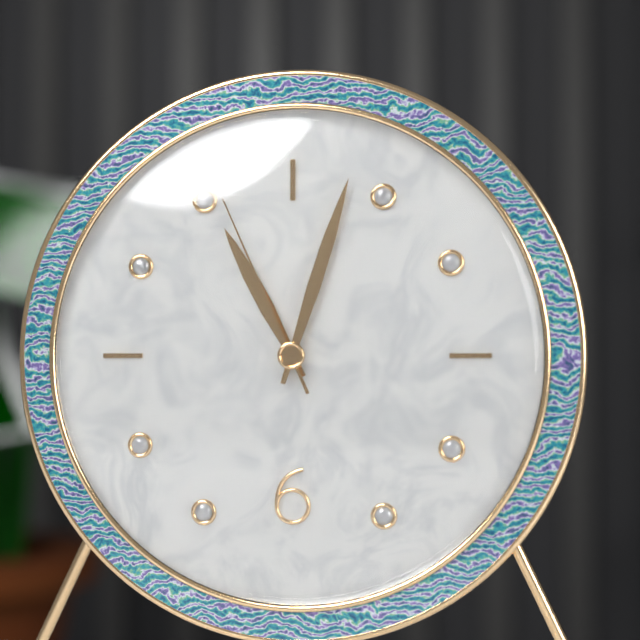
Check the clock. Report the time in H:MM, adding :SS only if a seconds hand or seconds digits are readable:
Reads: 11:03:56
